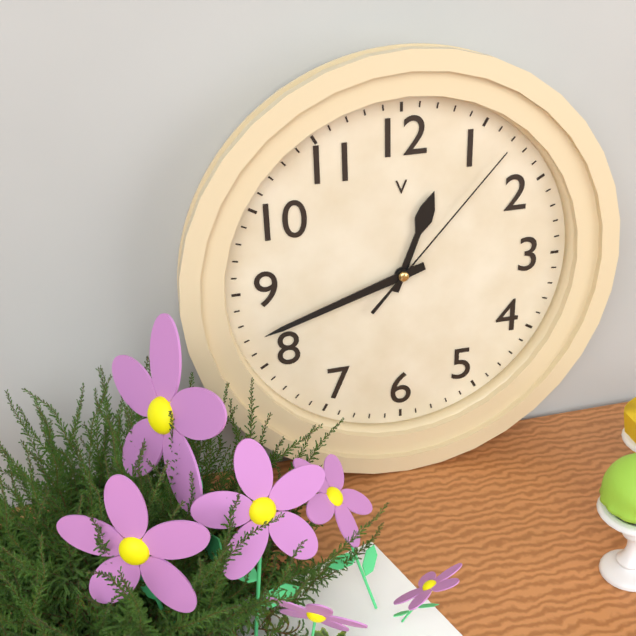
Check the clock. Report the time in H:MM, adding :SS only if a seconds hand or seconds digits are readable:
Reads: 12:42:07
